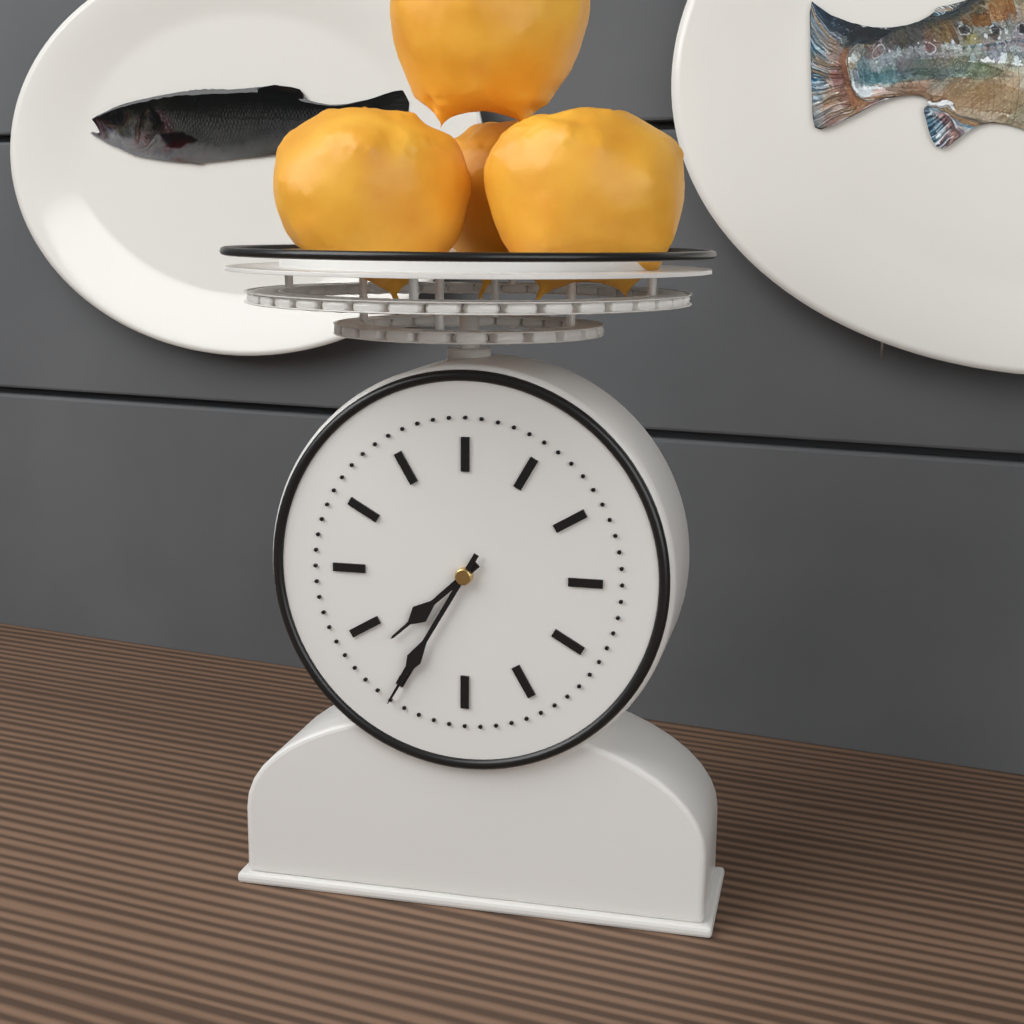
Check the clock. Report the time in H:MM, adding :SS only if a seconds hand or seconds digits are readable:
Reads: 7:35
